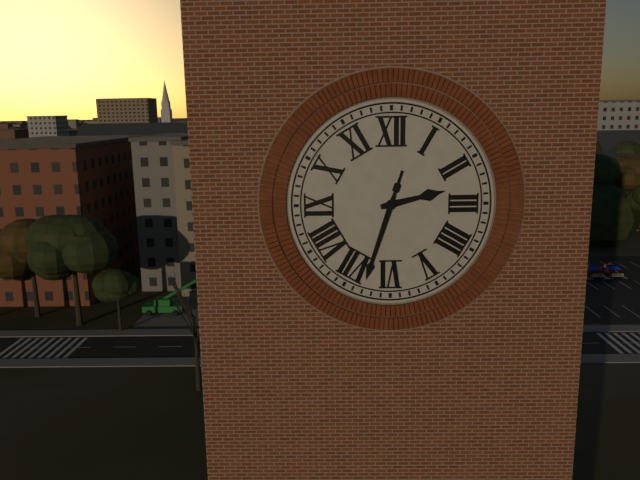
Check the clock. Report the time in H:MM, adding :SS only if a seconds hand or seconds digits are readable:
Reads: 2:33
